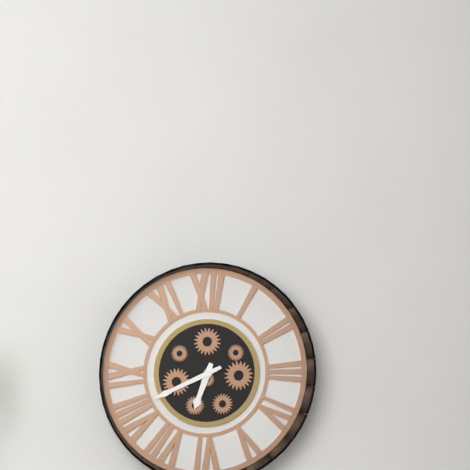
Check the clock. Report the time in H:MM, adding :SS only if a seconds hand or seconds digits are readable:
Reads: 6:41
